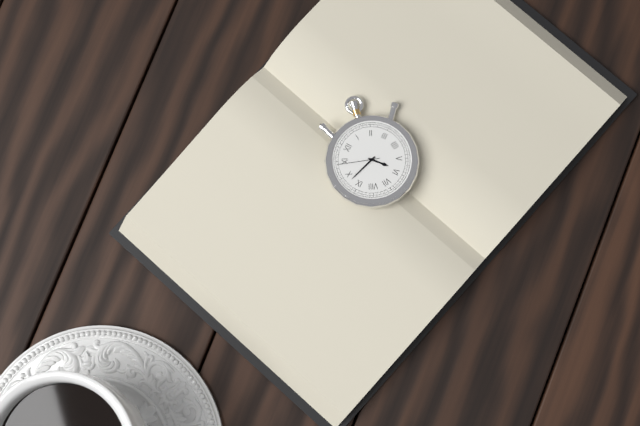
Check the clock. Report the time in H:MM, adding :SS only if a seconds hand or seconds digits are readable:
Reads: 5:48
